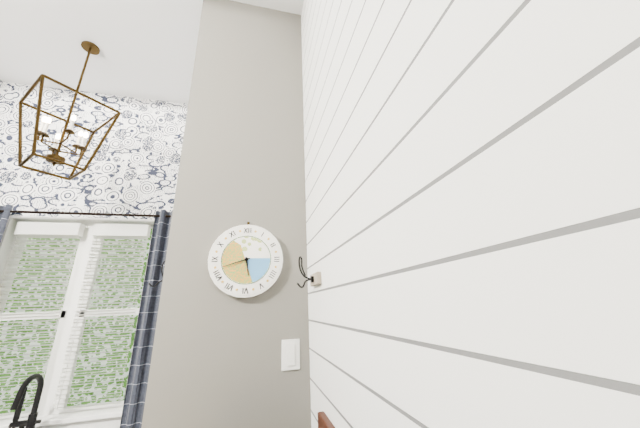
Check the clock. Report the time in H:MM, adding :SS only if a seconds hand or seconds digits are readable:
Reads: 5:42
